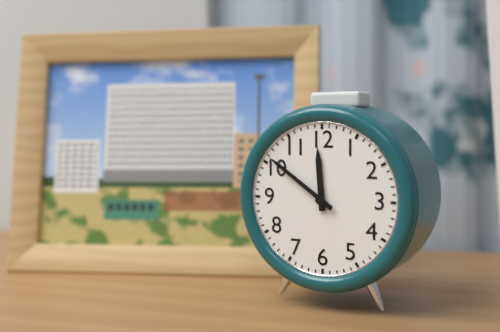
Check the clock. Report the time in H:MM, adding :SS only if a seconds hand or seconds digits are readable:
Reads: 11:51
